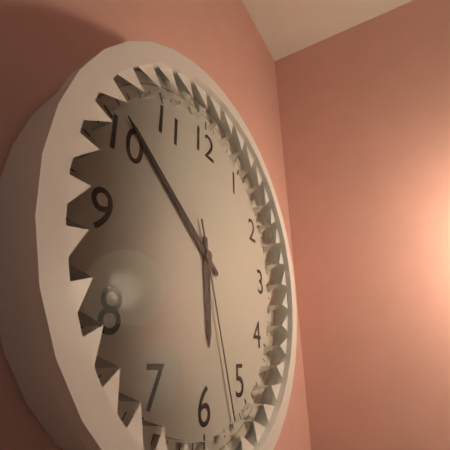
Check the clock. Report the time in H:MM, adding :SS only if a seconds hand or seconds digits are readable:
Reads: 5:51:27
